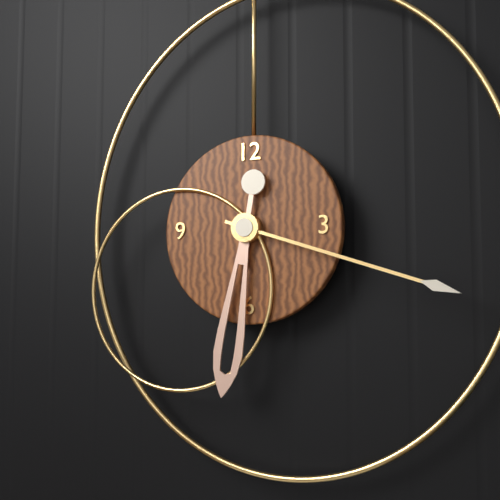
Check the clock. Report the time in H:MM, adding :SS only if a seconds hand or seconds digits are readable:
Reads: 6:18
